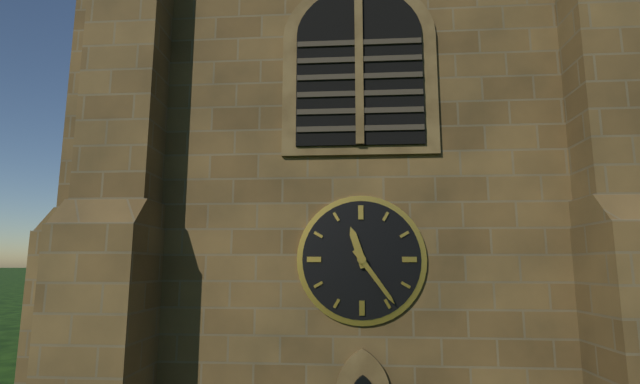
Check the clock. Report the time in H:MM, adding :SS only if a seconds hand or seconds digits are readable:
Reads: 11:24
